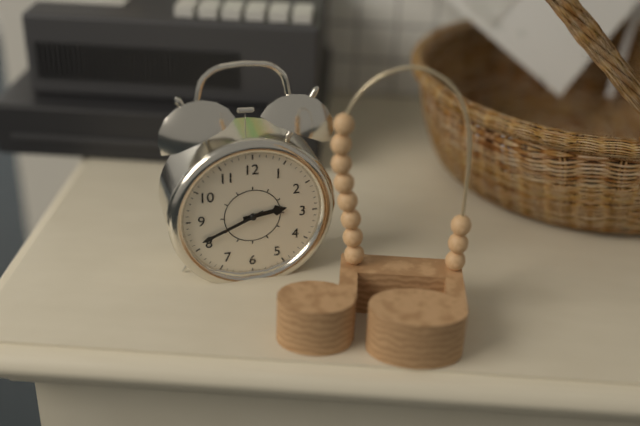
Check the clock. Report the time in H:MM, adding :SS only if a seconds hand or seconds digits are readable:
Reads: 2:41
